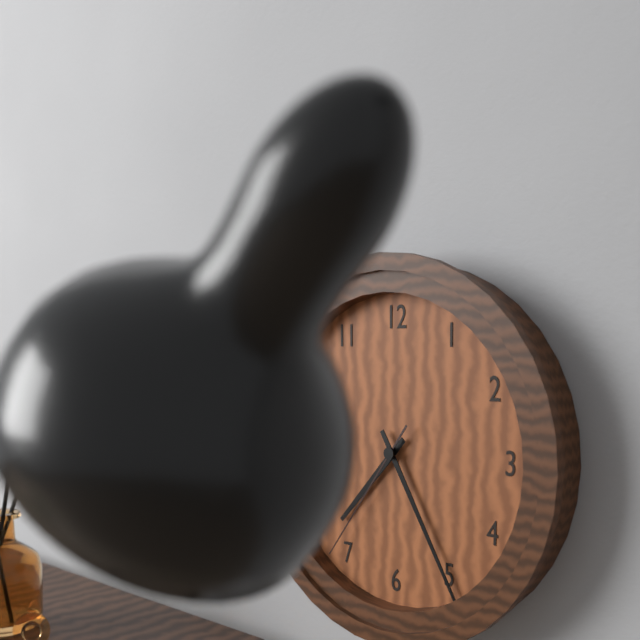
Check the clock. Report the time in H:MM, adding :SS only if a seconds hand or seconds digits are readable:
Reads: 7:25:36
